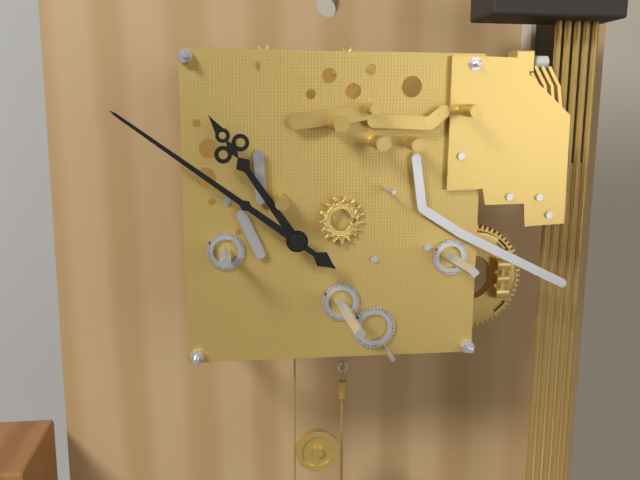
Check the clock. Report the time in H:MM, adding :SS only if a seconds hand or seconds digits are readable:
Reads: 10:51
